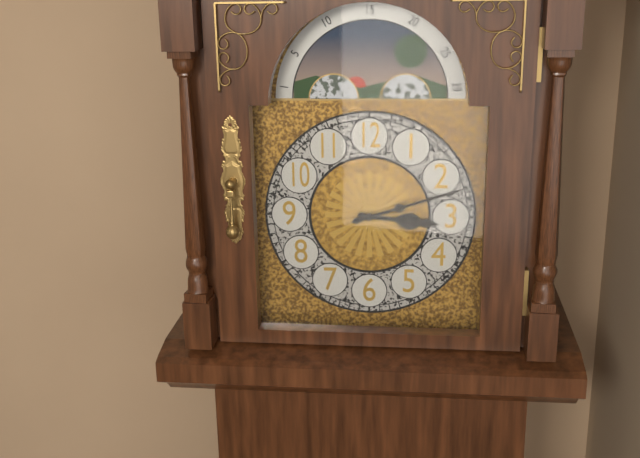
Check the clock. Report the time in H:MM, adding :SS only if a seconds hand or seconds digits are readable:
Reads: 3:12
